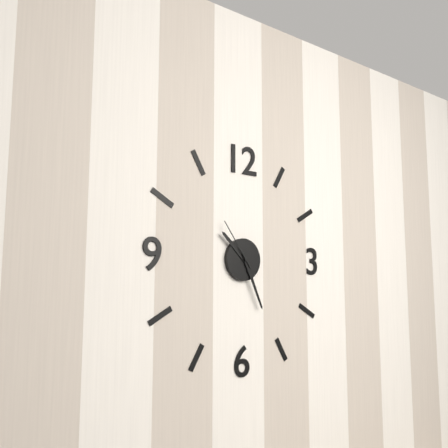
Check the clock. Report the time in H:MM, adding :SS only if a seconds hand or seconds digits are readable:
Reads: 10:26:54
